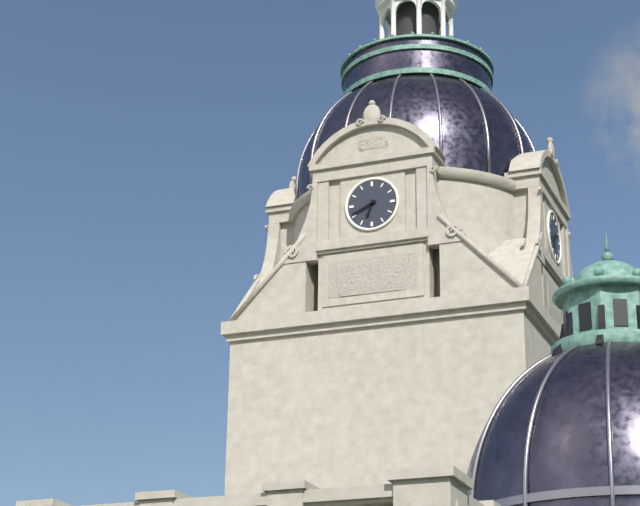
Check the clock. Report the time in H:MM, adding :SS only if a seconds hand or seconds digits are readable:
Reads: 6:41
